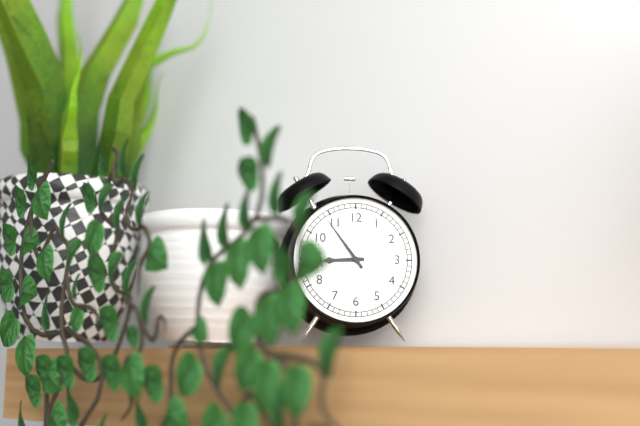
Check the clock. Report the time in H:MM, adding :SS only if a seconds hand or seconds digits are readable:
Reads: 8:54
